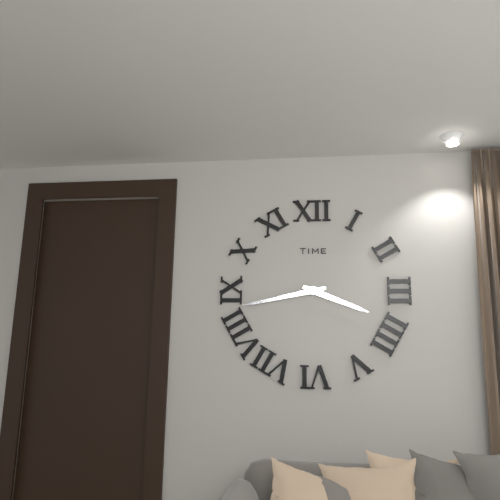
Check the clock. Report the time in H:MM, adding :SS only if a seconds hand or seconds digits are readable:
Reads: 3:43
